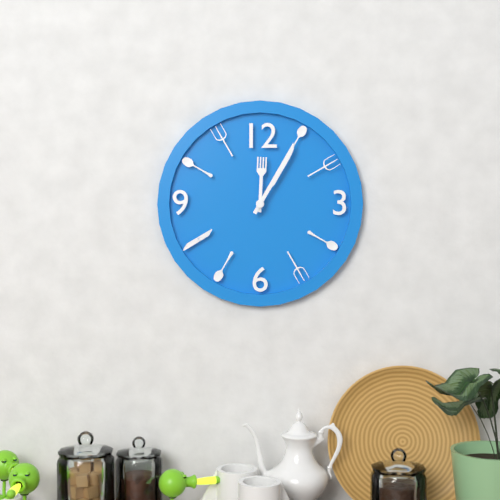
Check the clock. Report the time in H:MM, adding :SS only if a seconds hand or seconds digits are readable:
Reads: 12:05
